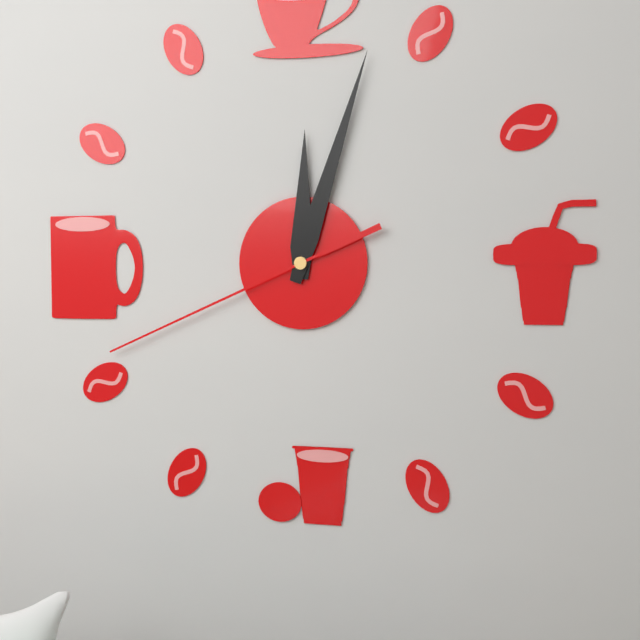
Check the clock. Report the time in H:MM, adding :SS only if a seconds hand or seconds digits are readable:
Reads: 12:03:41
